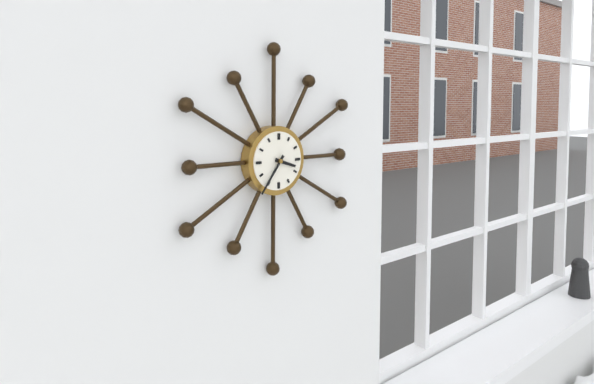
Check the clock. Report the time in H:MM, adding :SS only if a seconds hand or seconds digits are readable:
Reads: 3:36
